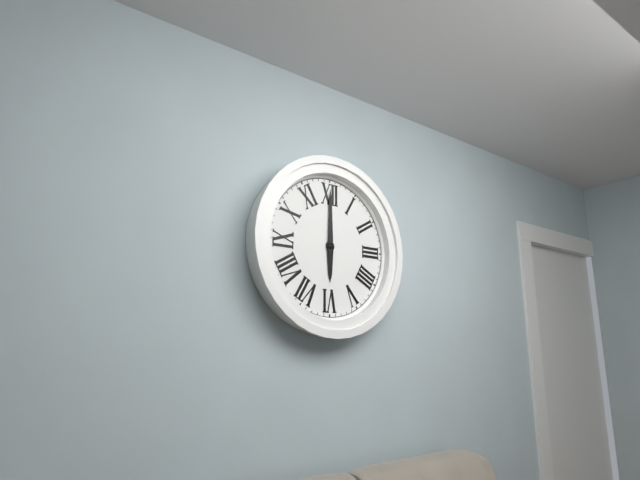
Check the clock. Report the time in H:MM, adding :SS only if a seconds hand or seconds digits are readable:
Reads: 6:00
